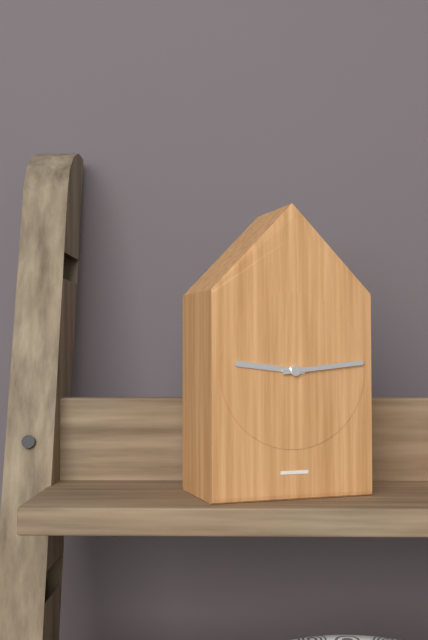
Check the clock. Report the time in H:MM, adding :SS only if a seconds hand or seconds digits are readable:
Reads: 9:14
